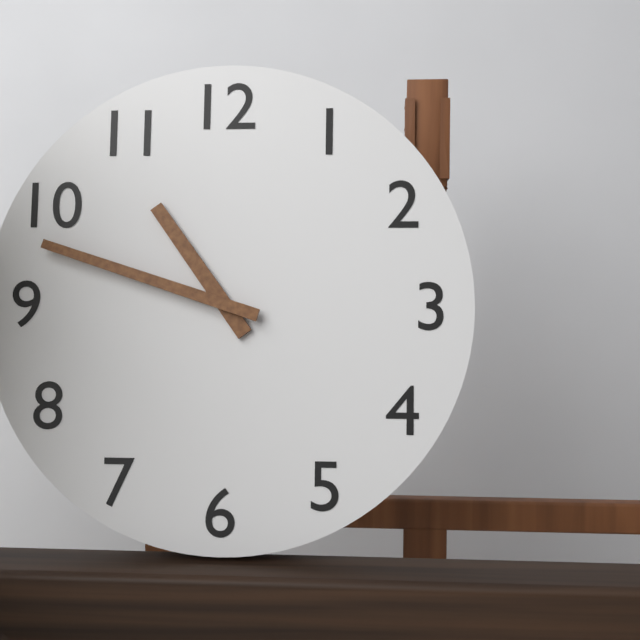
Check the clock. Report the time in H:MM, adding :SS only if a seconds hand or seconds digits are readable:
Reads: 10:48
